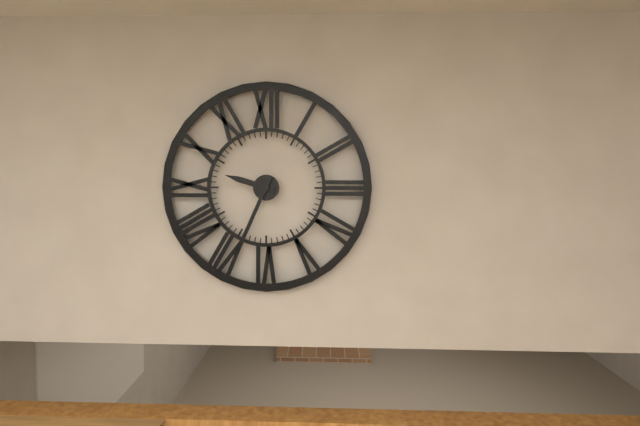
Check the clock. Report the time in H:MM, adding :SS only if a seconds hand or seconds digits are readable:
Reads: 9:34
